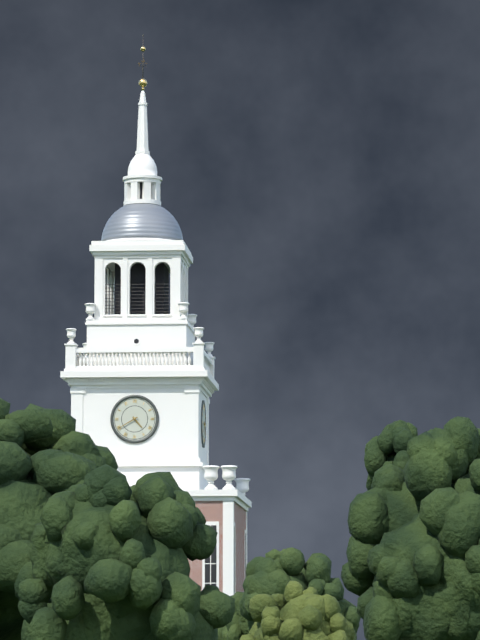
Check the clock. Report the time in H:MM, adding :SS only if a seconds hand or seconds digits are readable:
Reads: 4:40
